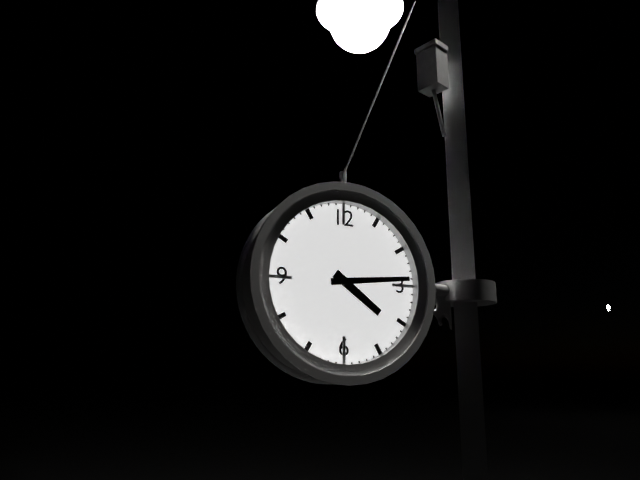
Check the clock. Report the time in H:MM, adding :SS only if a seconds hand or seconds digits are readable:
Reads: 4:14
